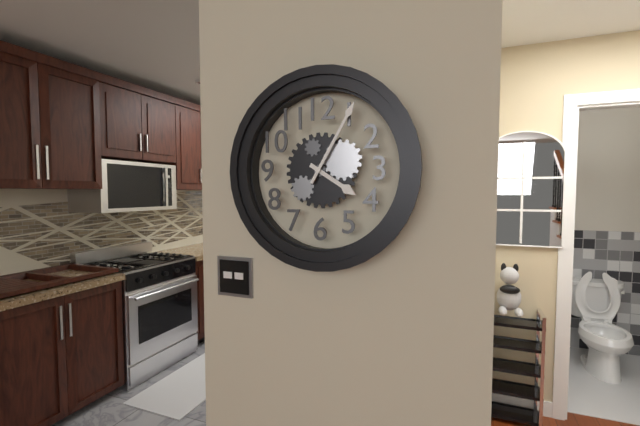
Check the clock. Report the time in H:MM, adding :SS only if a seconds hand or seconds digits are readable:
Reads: 4:05
